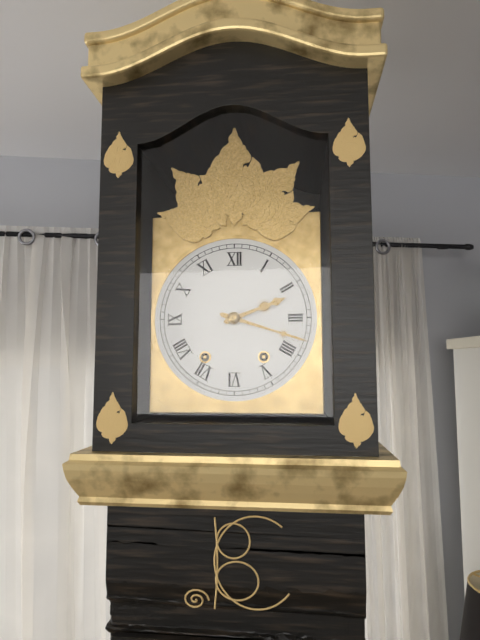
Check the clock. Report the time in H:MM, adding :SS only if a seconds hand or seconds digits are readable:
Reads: 2:18
